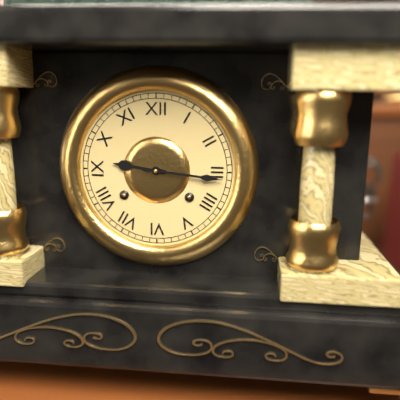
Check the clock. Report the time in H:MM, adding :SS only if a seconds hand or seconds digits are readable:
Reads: 9:16
